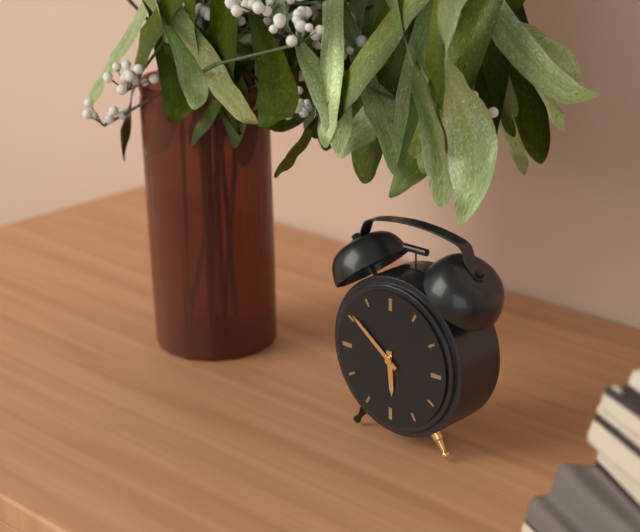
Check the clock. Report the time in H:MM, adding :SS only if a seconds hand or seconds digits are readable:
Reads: 5:51
